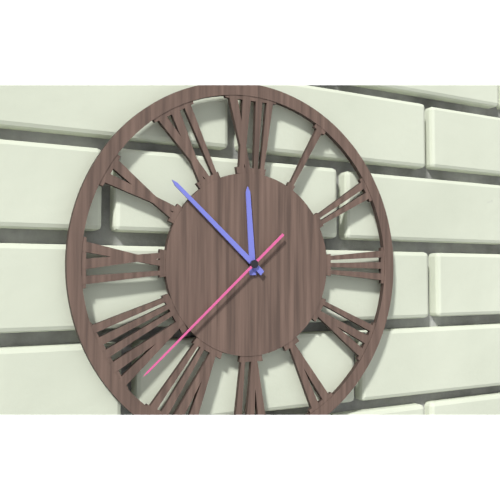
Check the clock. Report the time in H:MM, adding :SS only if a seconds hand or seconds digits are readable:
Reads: 11:52:38
